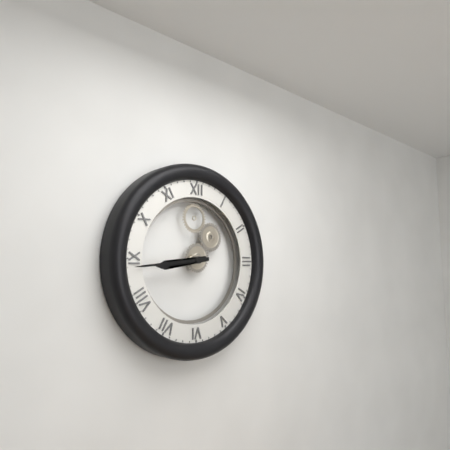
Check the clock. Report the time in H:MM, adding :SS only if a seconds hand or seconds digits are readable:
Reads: 8:44
